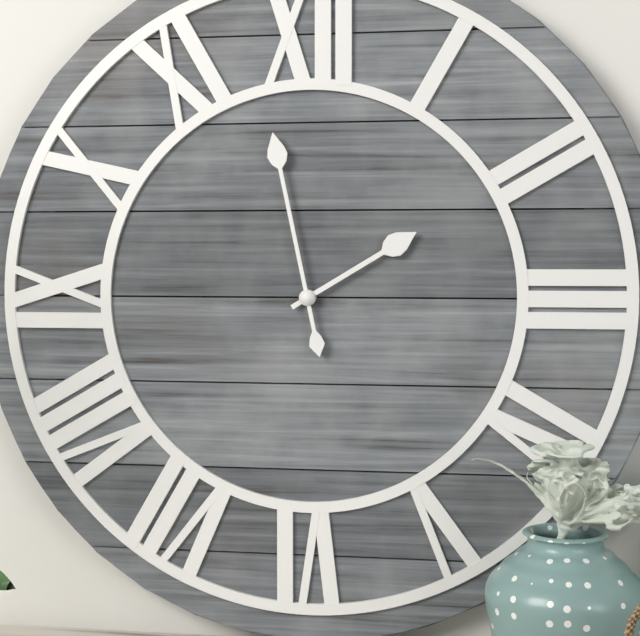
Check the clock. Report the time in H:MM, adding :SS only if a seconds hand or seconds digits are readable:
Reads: 1:58
